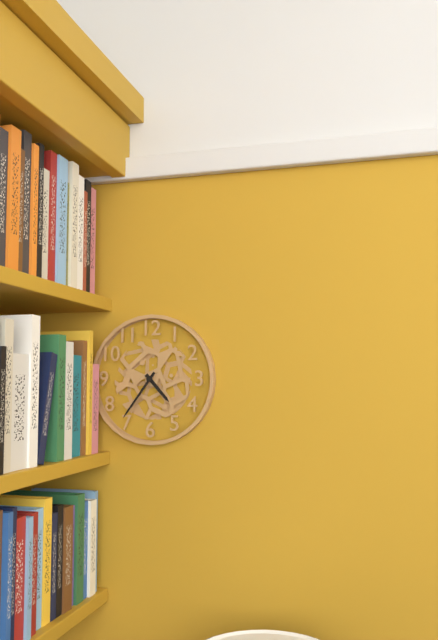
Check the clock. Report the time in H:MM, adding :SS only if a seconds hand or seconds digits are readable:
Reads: 4:36
